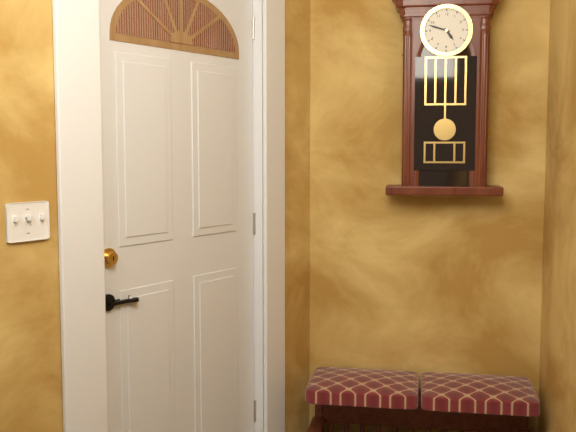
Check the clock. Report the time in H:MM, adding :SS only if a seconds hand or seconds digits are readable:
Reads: 4:48
